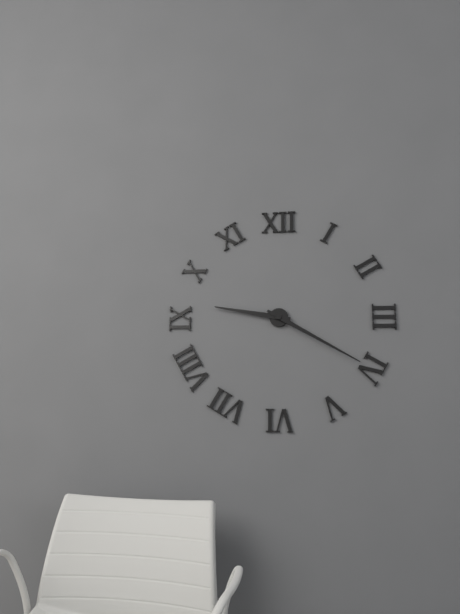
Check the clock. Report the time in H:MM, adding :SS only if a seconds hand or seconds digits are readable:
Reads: 9:20
